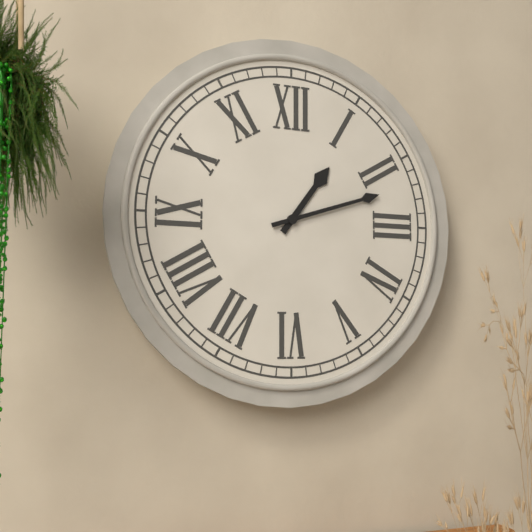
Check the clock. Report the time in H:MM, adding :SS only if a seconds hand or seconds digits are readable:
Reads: 1:12
